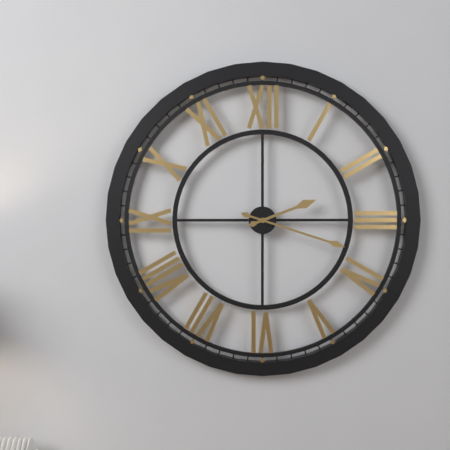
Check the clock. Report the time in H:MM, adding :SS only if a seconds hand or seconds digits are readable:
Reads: 2:18
